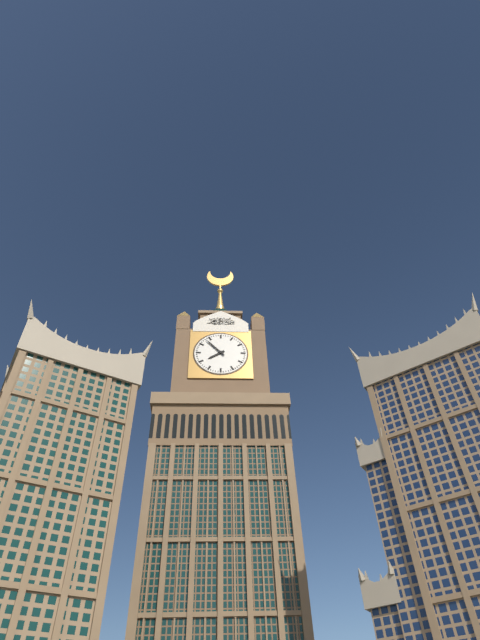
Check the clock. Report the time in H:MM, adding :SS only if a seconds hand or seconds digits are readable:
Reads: 7:53
